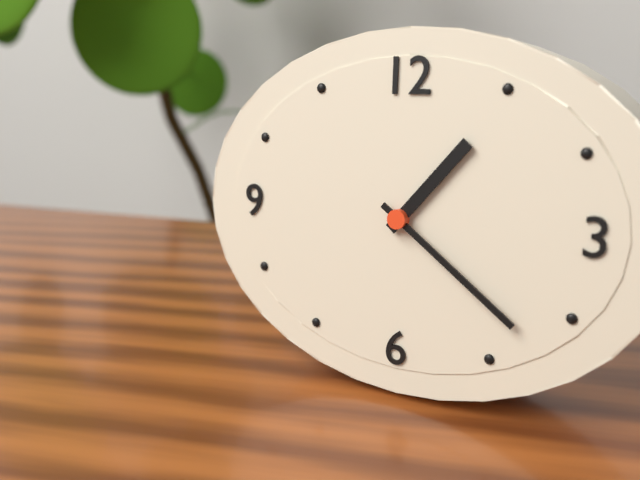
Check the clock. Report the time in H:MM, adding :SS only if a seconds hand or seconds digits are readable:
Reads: 1:21
